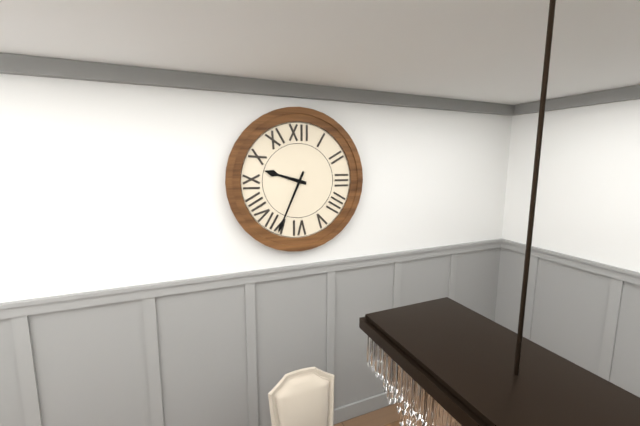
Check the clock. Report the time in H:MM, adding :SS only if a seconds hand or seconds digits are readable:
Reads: 9:34
